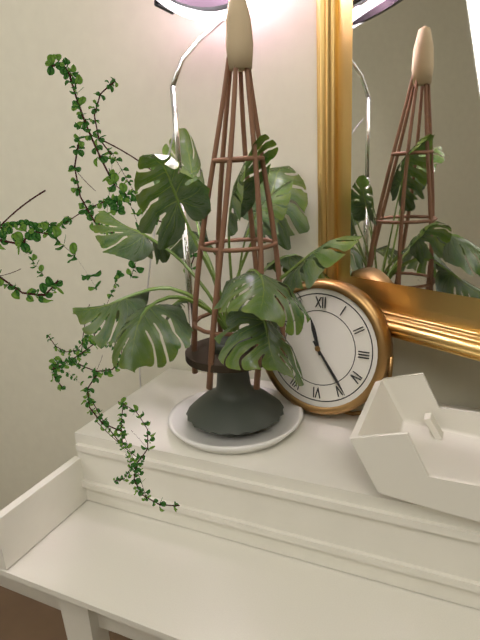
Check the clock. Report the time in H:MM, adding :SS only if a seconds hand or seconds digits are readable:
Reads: 11:24
